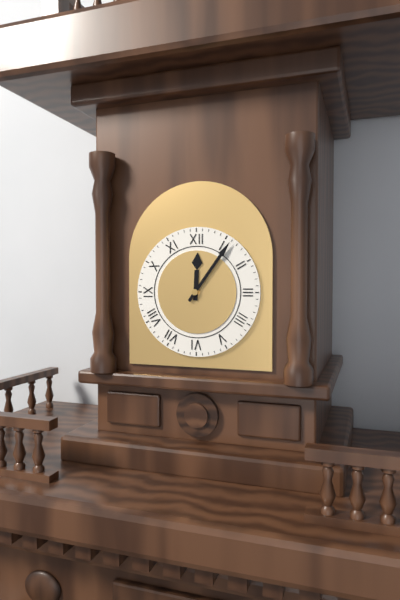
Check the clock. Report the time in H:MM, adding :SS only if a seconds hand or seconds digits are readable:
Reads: 12:06
